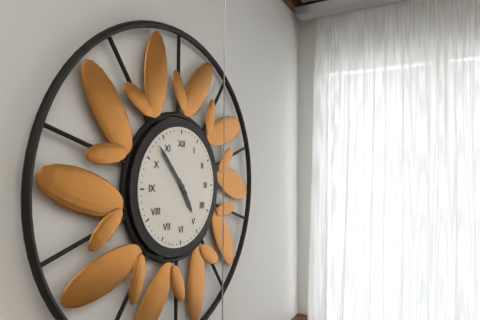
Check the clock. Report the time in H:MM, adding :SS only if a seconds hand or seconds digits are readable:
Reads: 4:53
